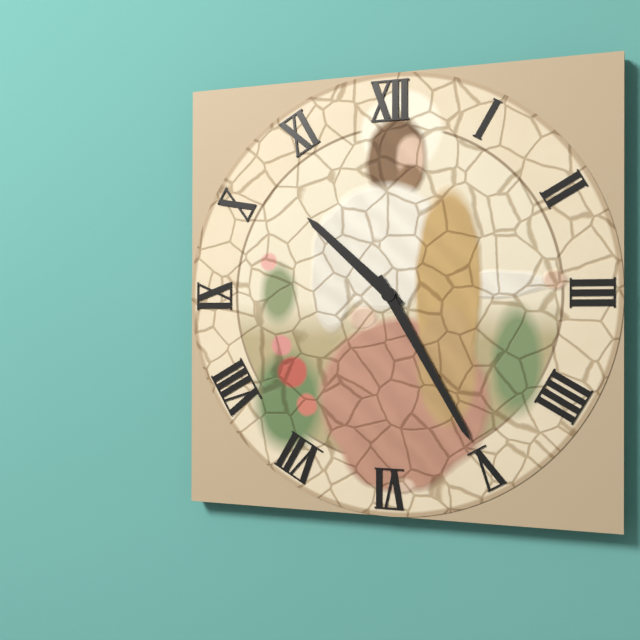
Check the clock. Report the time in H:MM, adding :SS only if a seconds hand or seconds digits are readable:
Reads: 10:25
